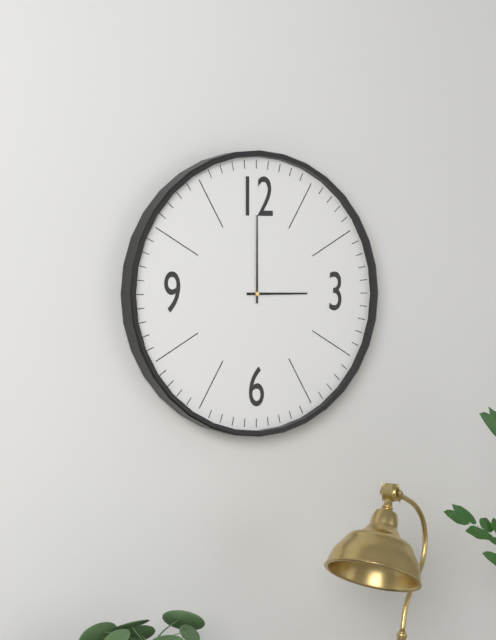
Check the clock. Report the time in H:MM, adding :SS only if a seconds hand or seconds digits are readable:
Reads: 3:00
